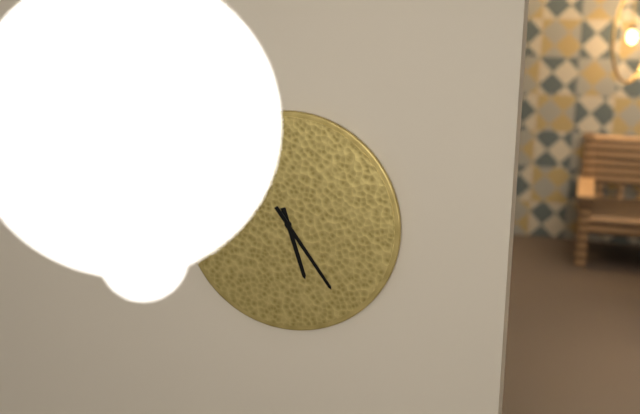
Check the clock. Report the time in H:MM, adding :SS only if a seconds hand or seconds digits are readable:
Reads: 5:24
